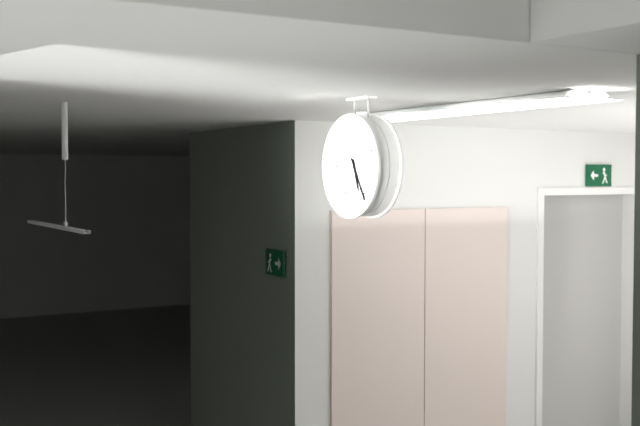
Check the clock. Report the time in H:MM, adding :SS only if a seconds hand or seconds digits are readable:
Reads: 5:25
